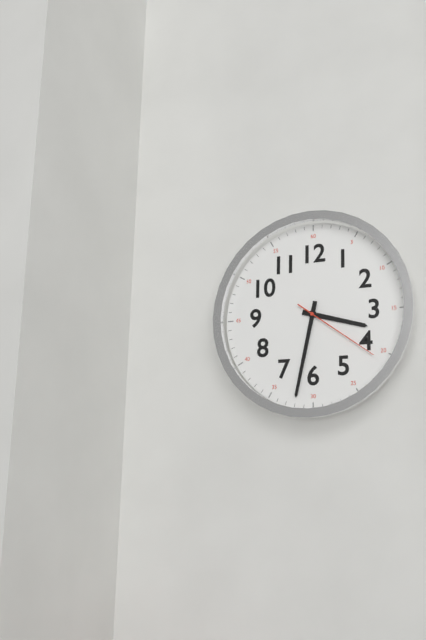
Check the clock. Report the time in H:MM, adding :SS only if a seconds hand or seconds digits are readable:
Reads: 3:32:21
